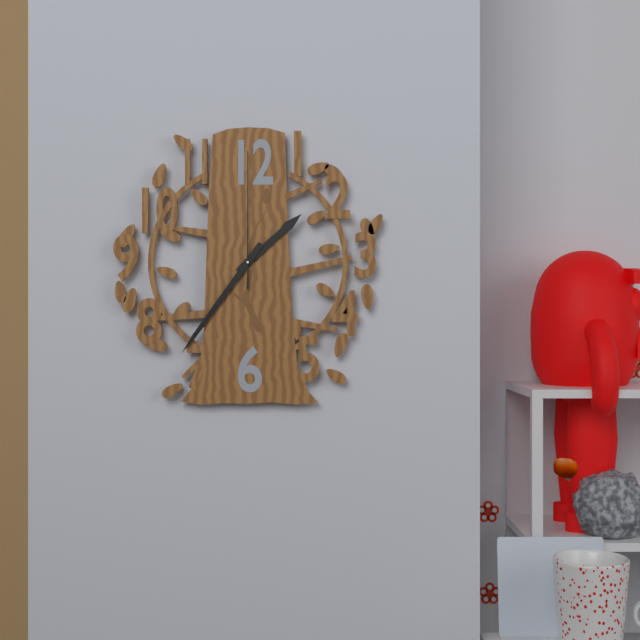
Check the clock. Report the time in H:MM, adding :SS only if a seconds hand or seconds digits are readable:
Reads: 1:36:00
